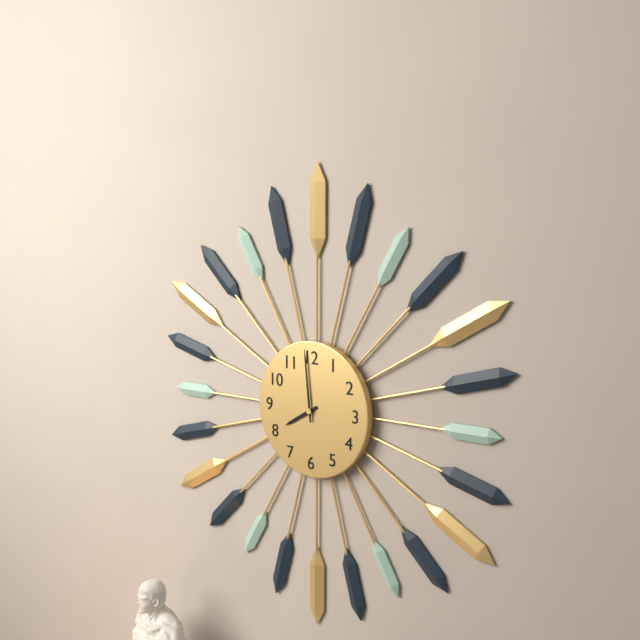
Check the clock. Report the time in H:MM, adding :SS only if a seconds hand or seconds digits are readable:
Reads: 7:59
